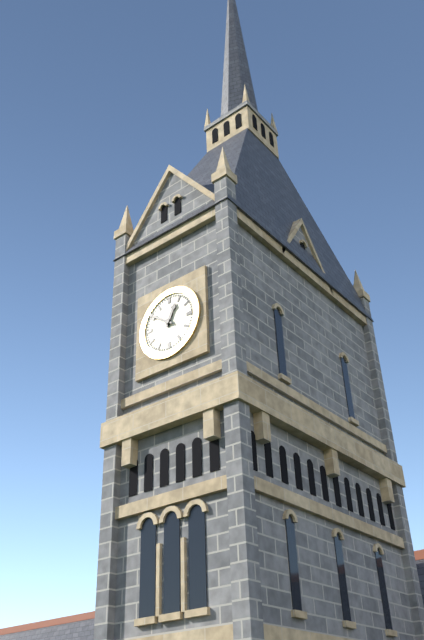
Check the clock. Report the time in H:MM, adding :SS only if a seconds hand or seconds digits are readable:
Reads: 12:51
